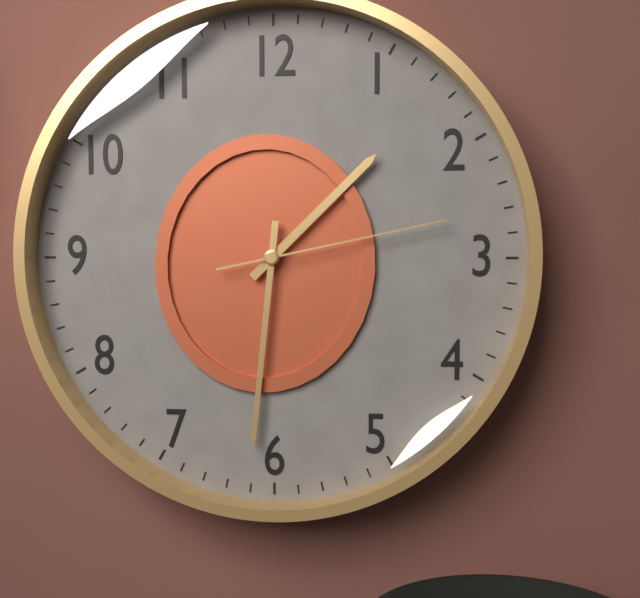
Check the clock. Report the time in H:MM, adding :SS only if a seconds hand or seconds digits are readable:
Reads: 1:31:13
